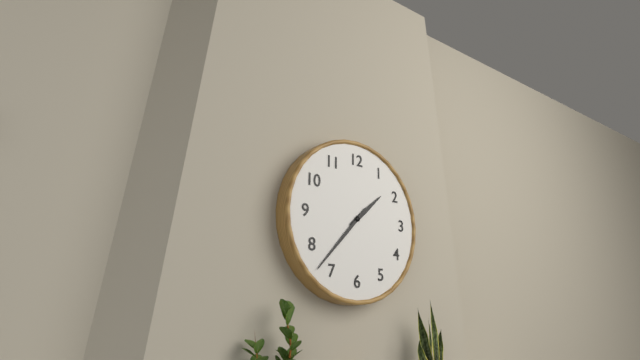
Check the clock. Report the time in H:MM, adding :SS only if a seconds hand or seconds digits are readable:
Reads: 1:37
